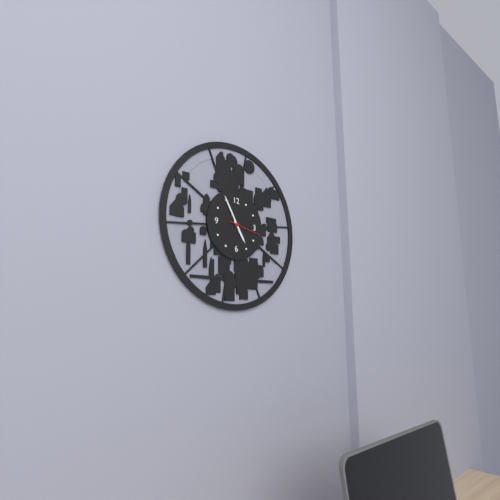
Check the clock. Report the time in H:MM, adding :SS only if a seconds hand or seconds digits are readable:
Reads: 4:55
